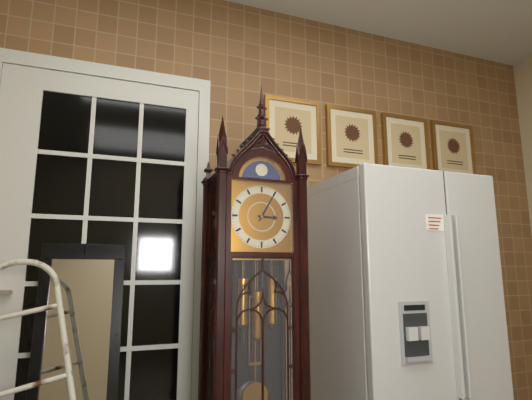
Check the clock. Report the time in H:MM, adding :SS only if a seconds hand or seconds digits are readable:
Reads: 3:05
